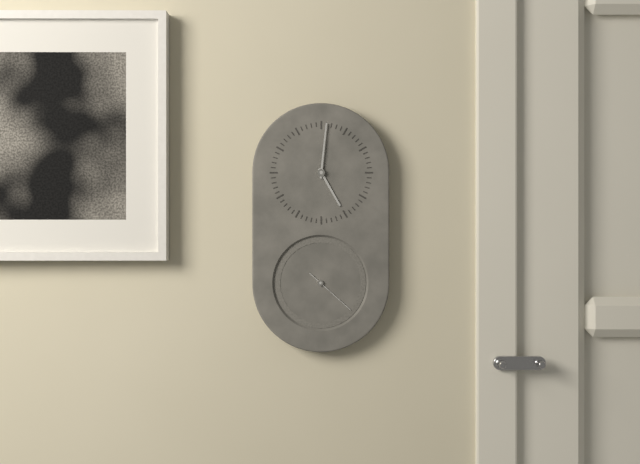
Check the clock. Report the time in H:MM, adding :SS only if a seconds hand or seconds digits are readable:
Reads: 5:01:22
